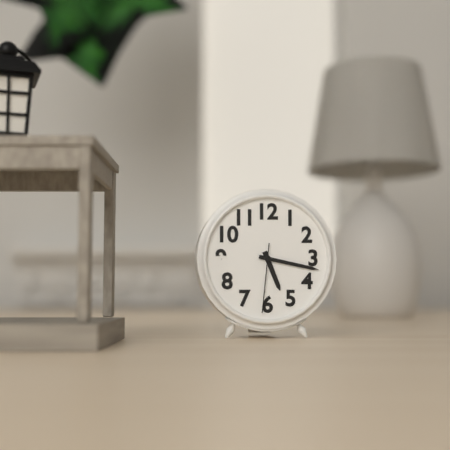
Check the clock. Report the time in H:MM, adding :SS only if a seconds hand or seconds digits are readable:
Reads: 5:17:31
